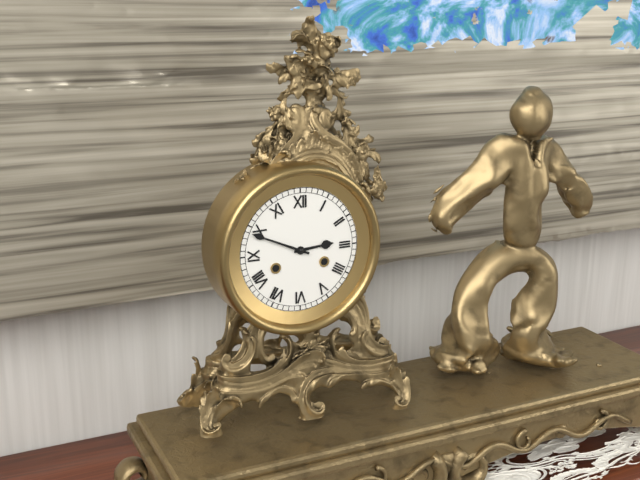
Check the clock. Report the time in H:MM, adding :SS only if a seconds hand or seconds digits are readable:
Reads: 2:49
